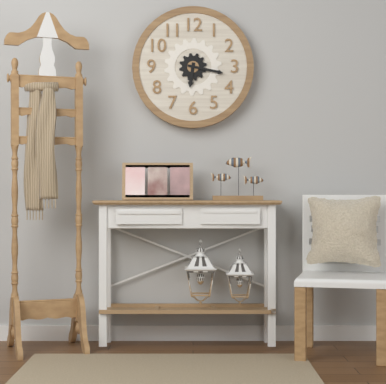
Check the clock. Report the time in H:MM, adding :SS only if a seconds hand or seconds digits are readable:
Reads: 6:17
